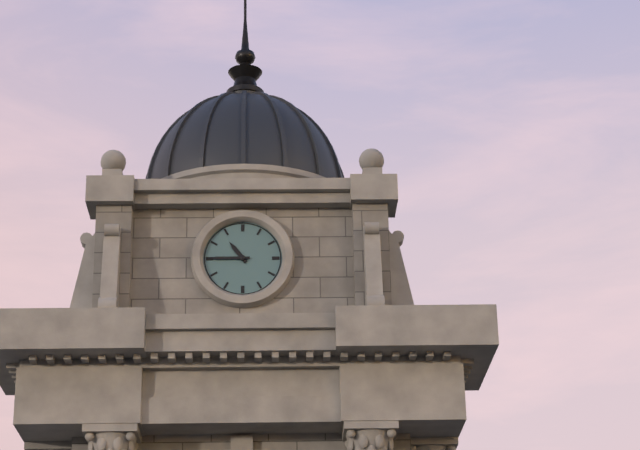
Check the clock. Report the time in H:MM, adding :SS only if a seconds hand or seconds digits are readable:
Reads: 10:45
